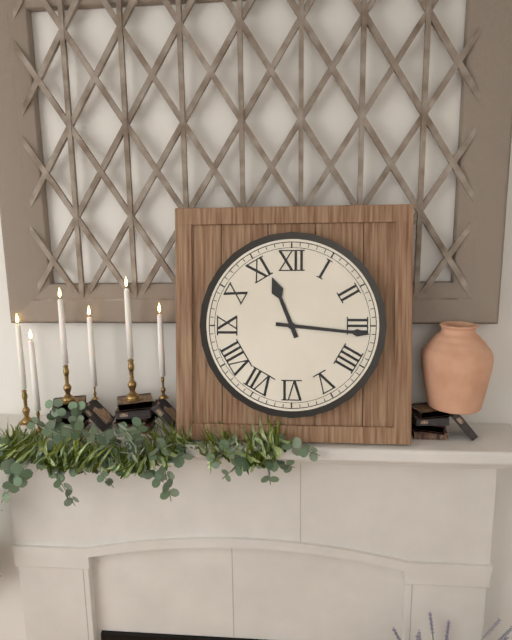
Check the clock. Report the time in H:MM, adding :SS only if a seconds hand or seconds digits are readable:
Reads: 11:16
